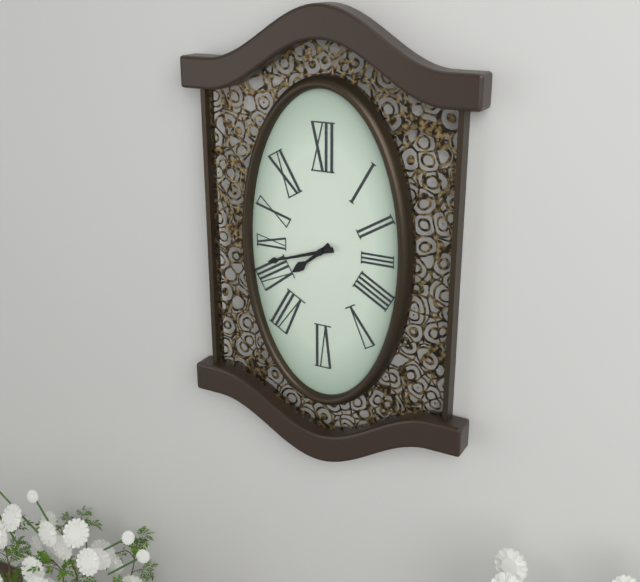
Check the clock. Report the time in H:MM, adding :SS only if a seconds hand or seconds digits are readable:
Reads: 7:42
